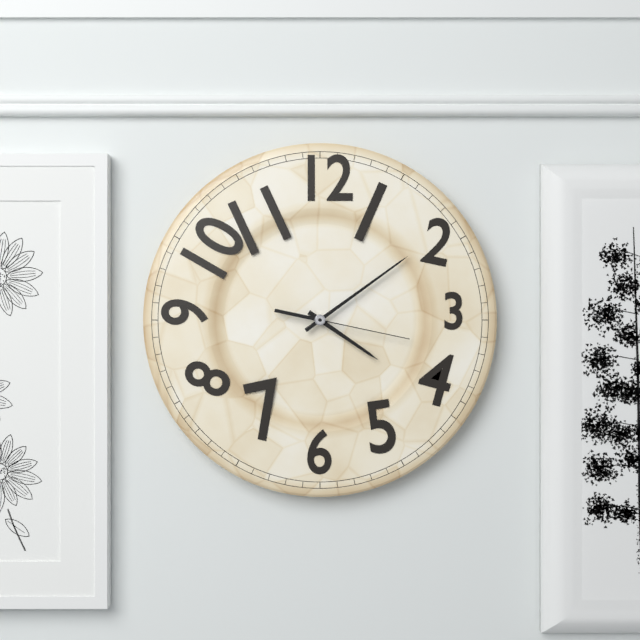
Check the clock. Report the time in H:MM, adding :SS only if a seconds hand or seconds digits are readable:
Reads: 4:09:17
